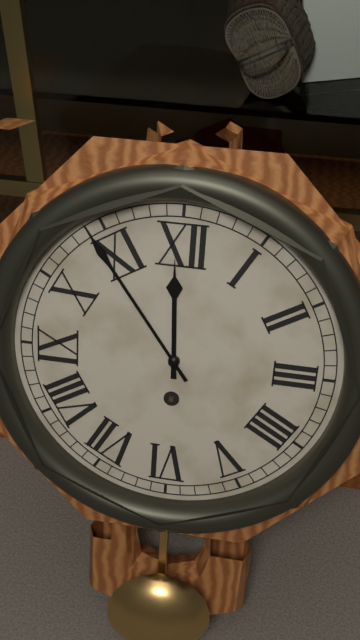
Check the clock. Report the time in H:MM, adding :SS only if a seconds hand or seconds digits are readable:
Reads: 11:54
